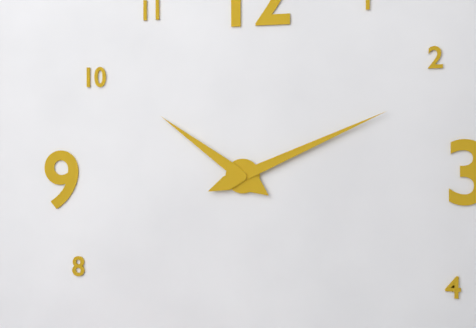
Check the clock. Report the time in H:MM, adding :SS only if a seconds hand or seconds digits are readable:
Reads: 10:11
